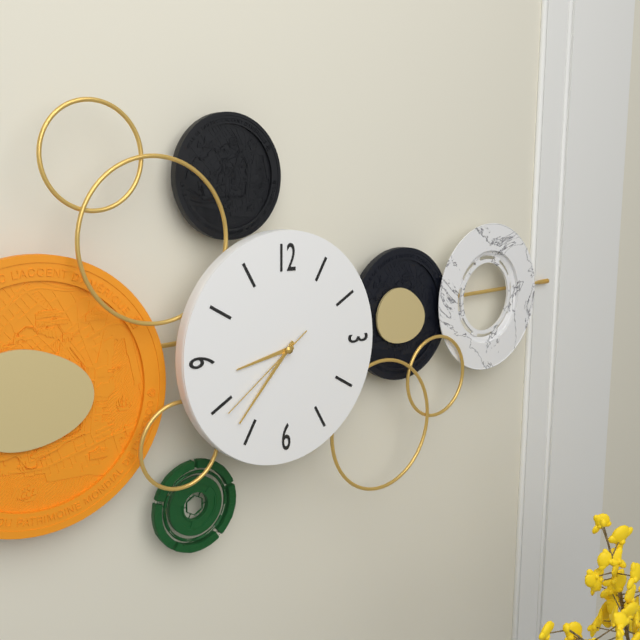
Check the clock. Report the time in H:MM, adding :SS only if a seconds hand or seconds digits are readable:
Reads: 8:37:39
